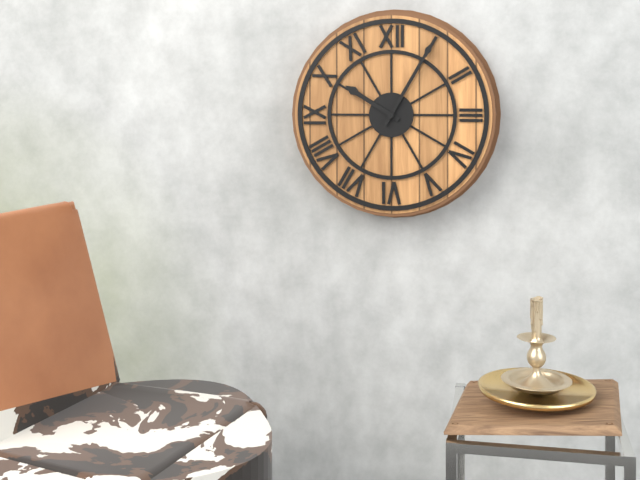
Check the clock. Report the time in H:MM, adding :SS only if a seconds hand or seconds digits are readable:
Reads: 10:05
